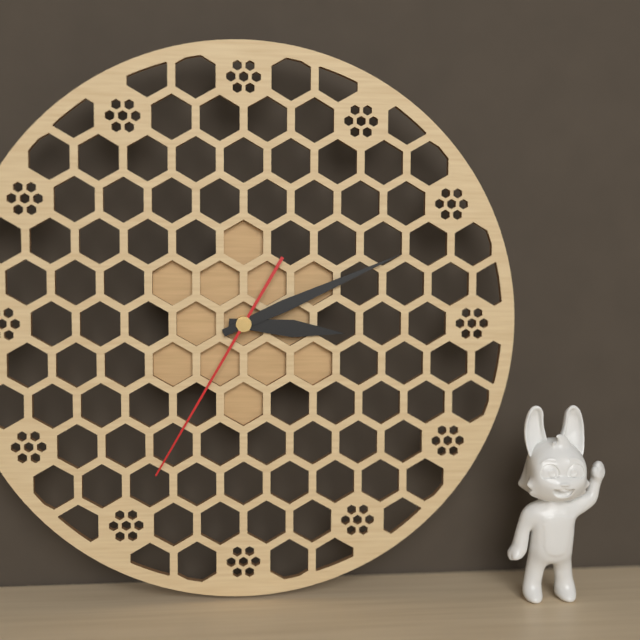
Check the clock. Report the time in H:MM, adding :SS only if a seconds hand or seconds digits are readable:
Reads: 3:11:35
